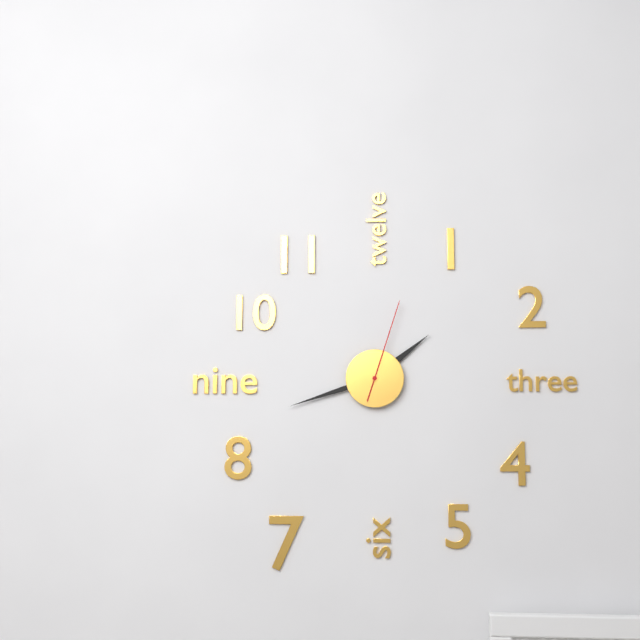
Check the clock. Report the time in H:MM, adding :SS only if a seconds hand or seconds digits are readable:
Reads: 1:42:03
